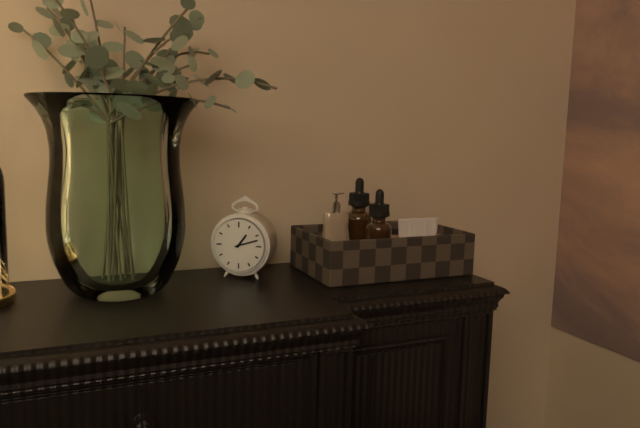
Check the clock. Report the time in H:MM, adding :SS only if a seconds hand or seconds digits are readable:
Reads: 1:12
